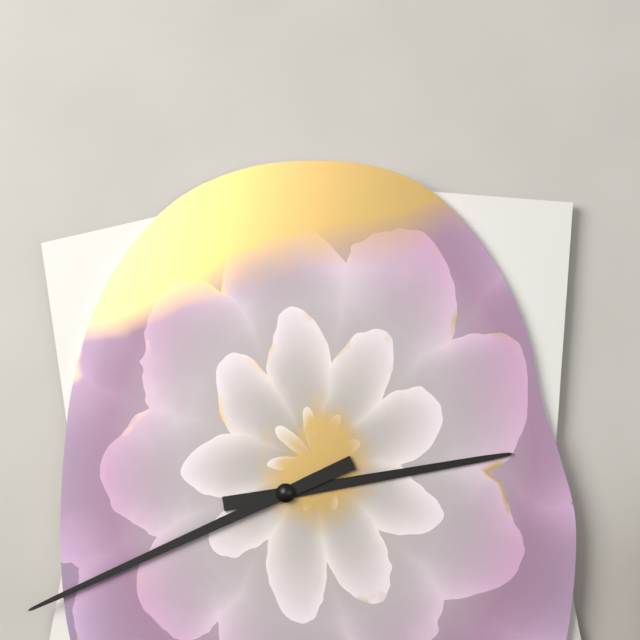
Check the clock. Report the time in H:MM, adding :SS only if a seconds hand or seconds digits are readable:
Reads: 2:41
